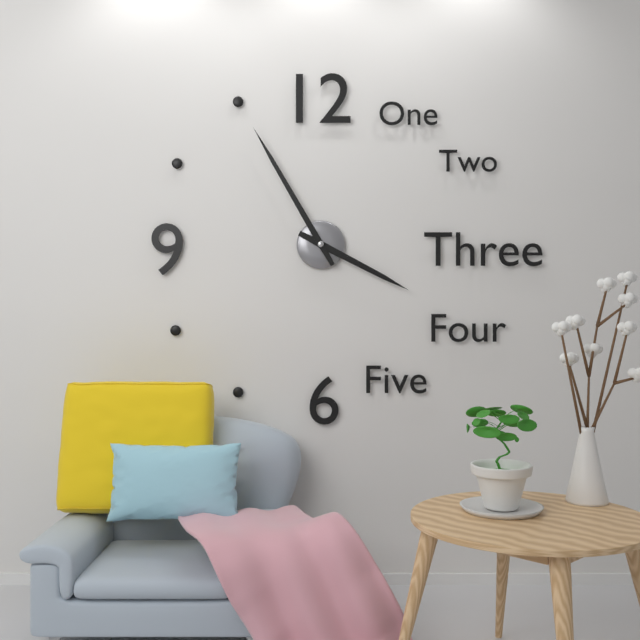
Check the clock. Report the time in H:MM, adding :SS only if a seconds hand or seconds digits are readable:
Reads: 3:55
